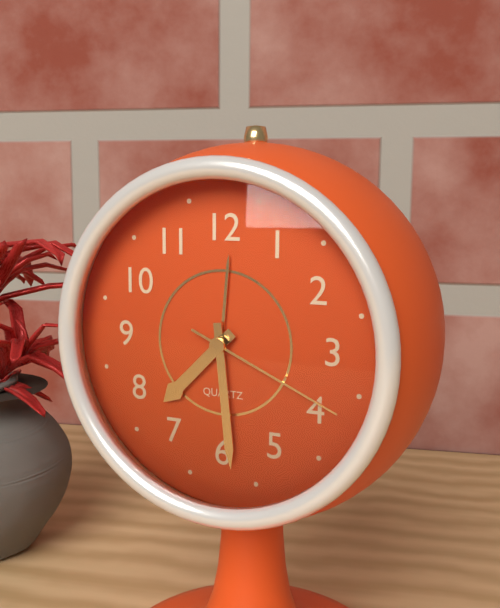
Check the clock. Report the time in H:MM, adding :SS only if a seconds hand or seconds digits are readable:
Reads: 7:29:19
